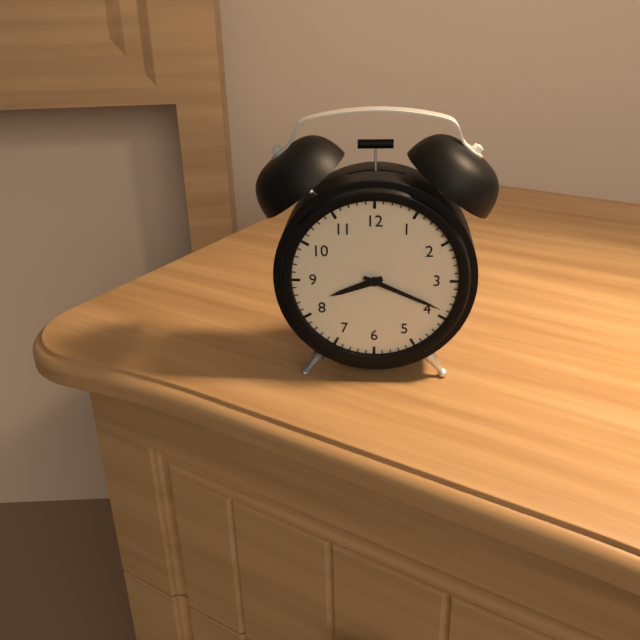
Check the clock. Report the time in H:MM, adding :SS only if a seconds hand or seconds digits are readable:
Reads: 8:19
